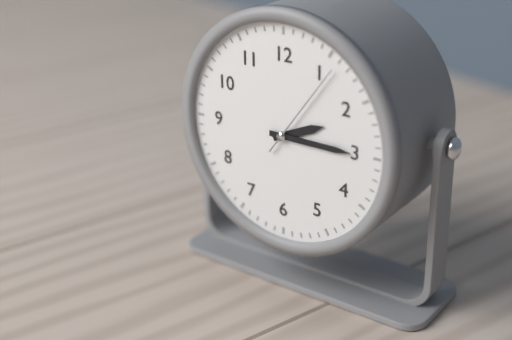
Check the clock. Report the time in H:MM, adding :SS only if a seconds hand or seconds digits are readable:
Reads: 2:15:06
